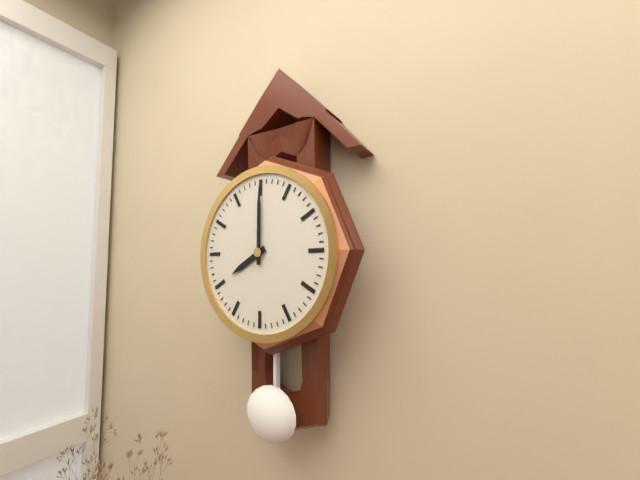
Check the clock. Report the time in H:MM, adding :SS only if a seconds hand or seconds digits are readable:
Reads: 8:00
